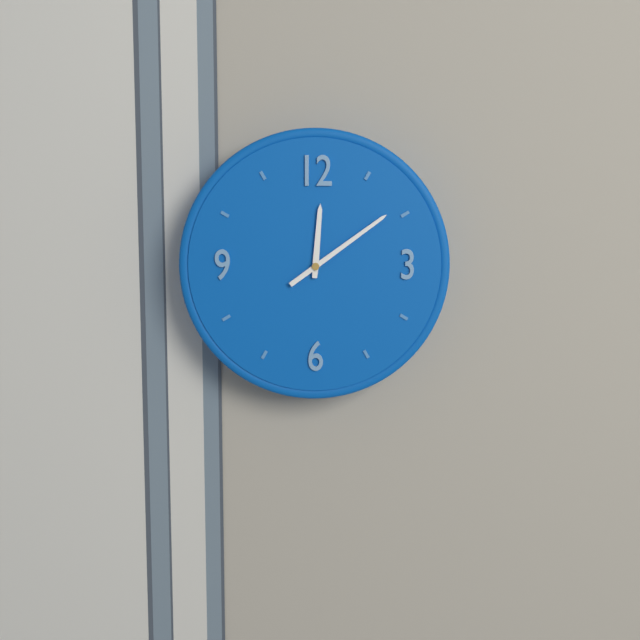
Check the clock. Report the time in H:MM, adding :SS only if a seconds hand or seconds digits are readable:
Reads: 12:09
